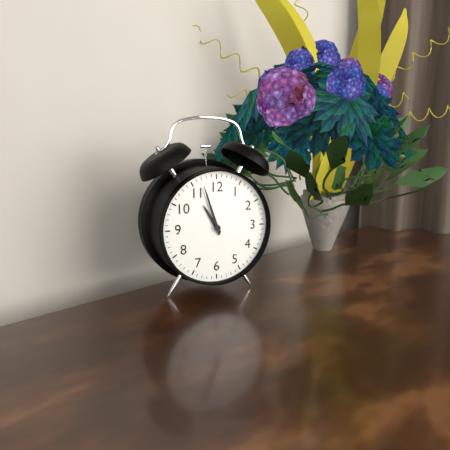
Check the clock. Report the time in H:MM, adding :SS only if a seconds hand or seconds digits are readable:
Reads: 10:57
